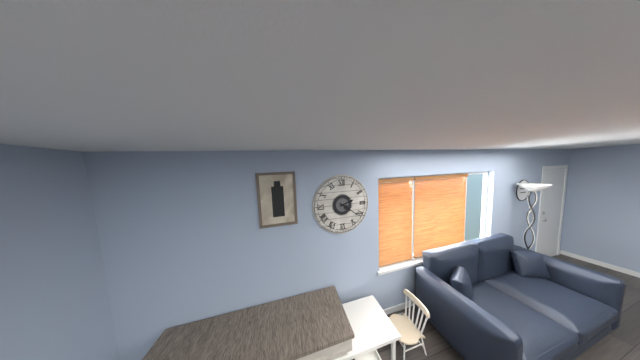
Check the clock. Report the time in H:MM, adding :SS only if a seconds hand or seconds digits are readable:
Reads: 2:21
